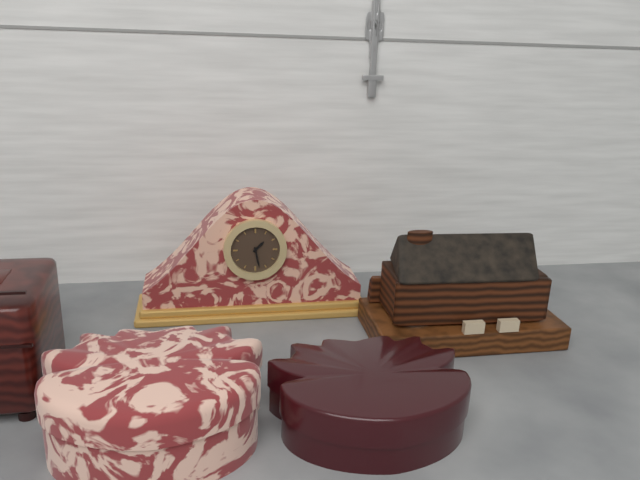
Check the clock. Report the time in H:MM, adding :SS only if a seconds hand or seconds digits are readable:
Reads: 1:28
